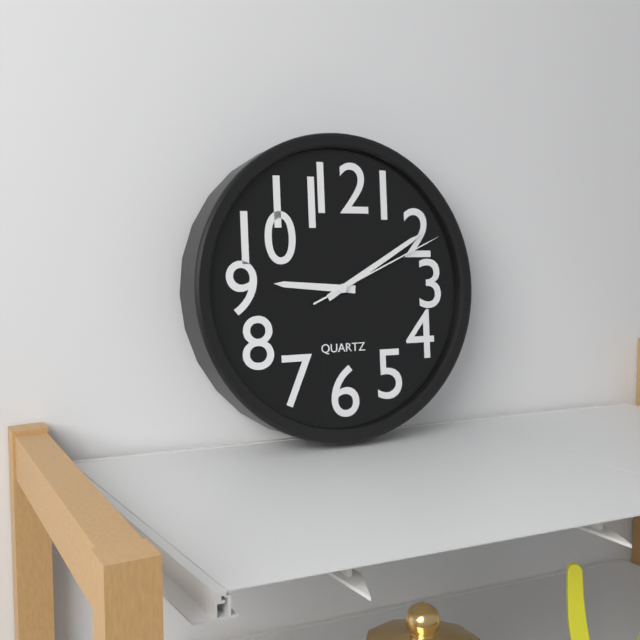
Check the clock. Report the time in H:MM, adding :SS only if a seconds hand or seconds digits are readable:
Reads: 9:10:11
